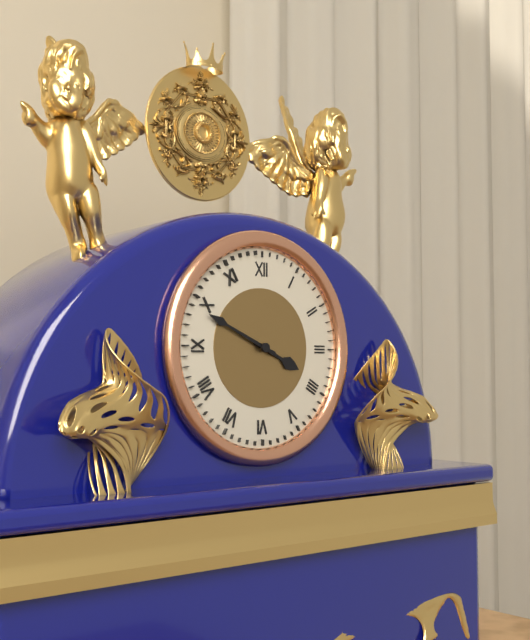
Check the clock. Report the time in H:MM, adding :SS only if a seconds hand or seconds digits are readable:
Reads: 3:49
